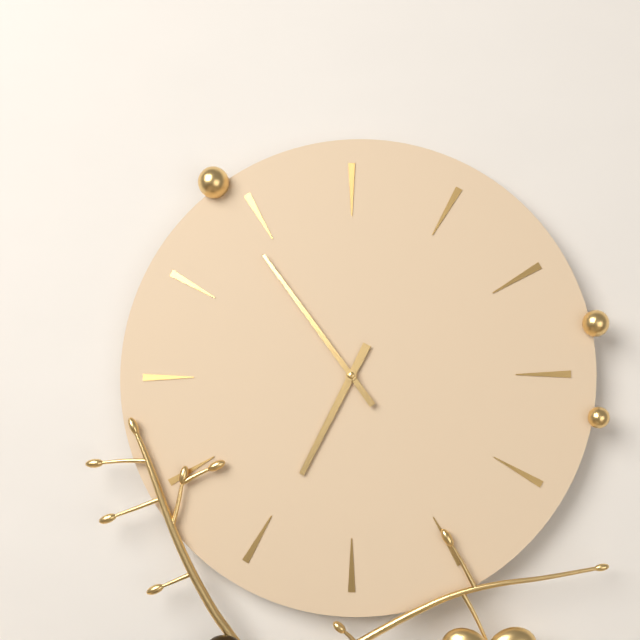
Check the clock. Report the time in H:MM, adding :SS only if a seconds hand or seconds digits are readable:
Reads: 6:54
